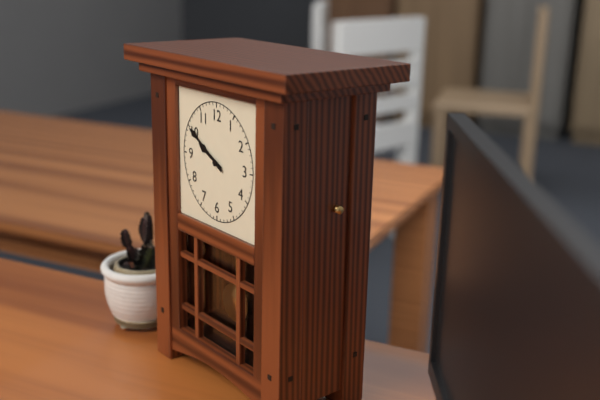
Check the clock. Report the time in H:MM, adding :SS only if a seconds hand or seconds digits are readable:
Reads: 9:50
